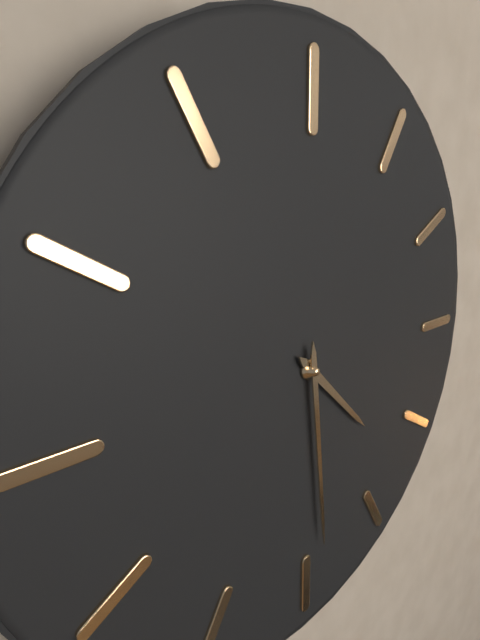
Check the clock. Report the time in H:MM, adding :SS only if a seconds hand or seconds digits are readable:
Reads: 4:29
